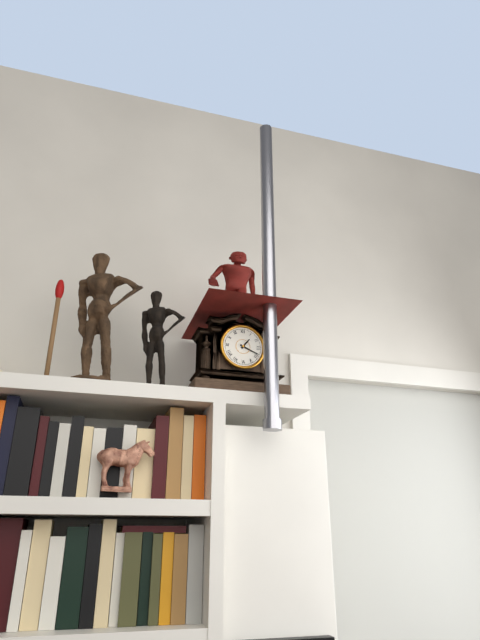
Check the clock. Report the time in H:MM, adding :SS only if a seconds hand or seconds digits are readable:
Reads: 1:19
